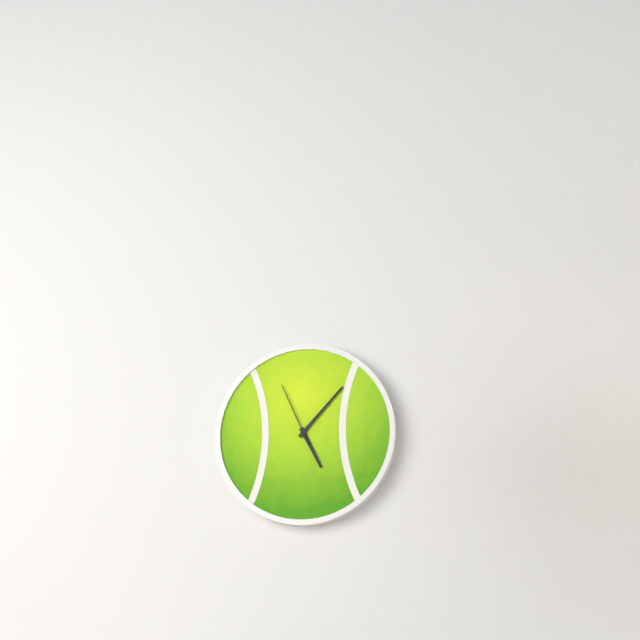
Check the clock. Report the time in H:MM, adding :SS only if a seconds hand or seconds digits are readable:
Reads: 5:07:56
